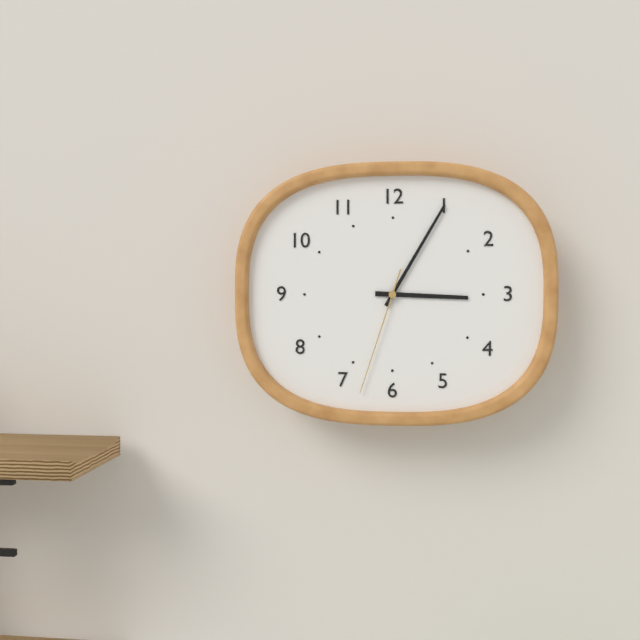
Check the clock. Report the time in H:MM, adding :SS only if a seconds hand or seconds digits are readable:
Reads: 3:05:33
